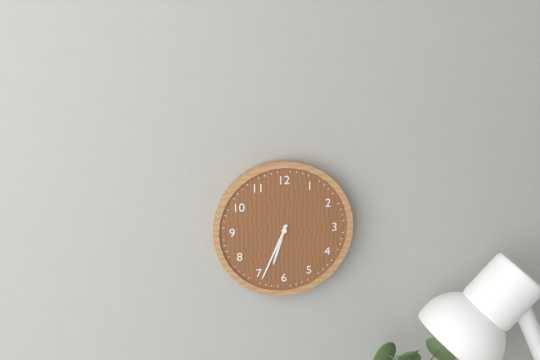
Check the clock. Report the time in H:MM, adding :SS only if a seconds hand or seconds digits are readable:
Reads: 6:34
